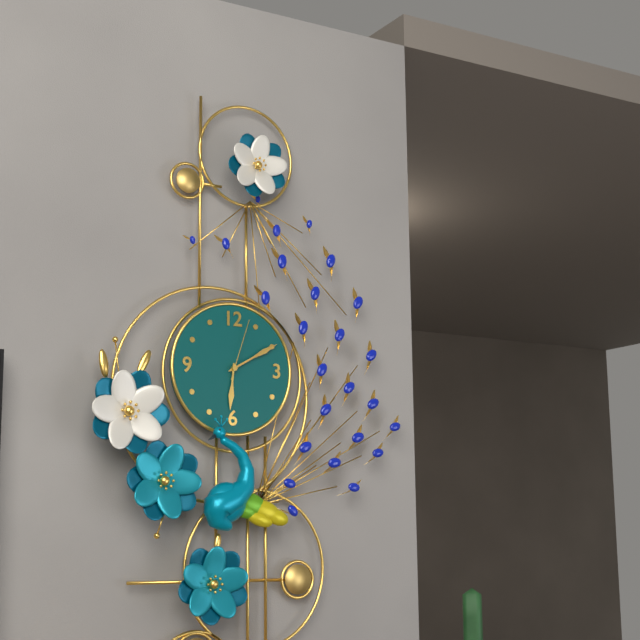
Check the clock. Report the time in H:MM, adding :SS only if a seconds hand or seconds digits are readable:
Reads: 6:10:03
